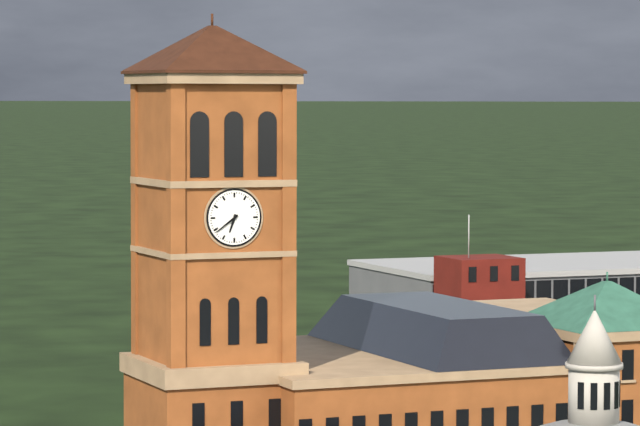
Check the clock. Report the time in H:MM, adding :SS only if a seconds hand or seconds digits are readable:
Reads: 6:39
